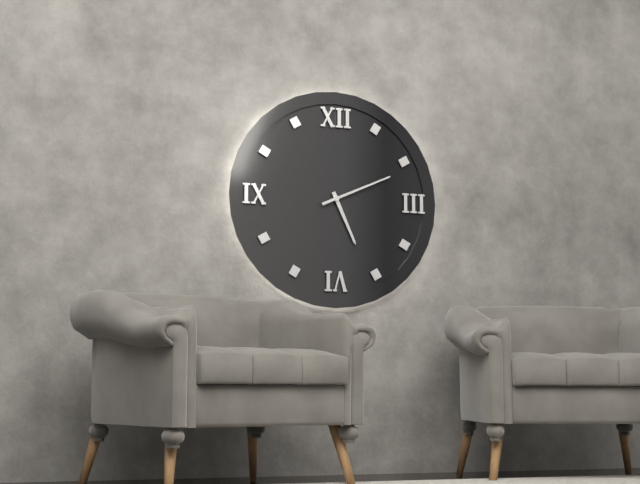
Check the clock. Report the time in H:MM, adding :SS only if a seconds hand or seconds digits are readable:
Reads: 5:11
